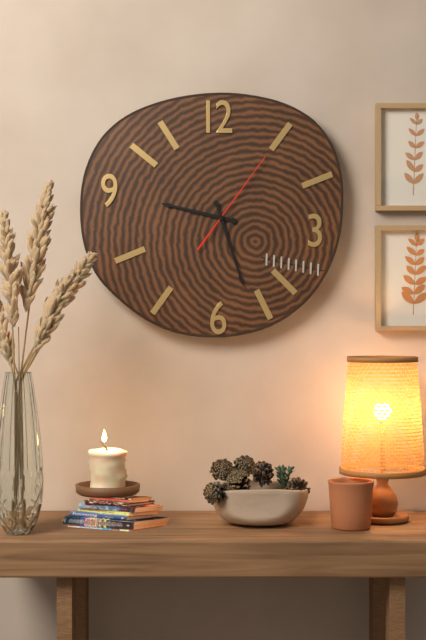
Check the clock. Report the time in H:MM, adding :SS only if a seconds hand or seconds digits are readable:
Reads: 9:27:06
